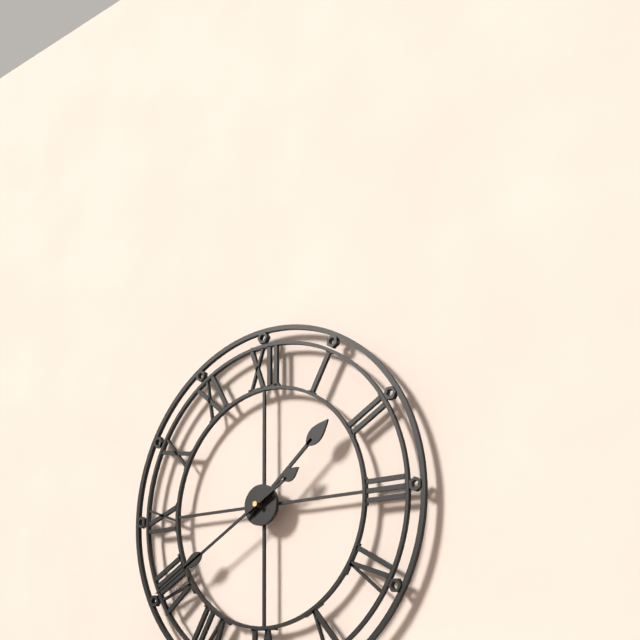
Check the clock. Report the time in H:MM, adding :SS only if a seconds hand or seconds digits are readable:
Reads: 1:40
